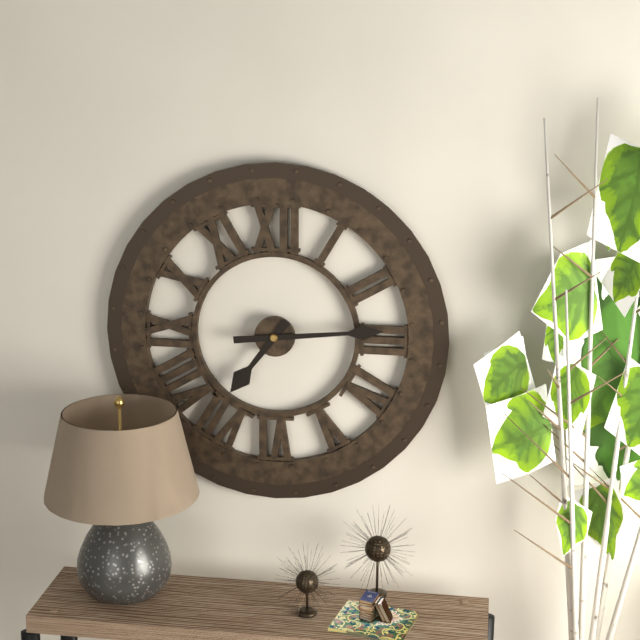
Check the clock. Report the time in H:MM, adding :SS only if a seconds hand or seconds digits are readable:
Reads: 7:14
